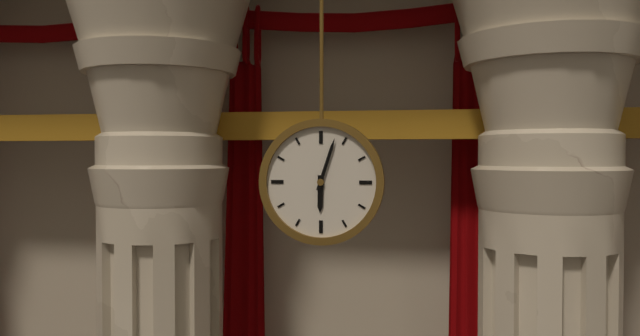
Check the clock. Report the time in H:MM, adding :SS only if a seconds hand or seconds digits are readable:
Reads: 6:03
